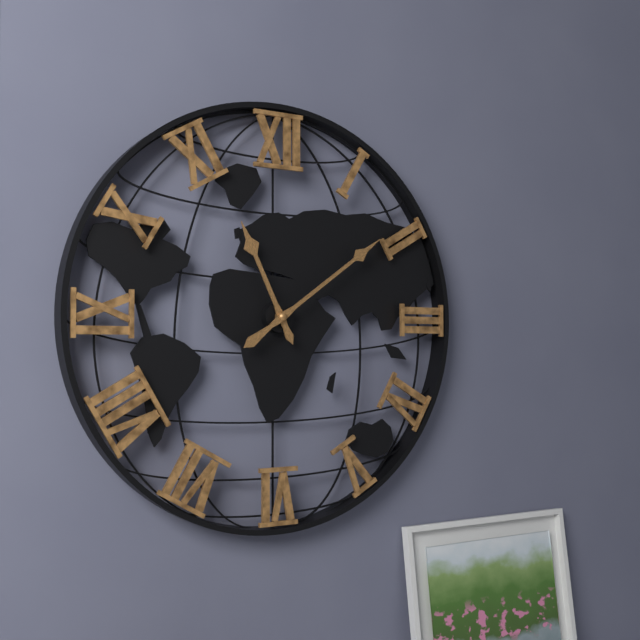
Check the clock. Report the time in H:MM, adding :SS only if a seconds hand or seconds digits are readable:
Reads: 11:09
